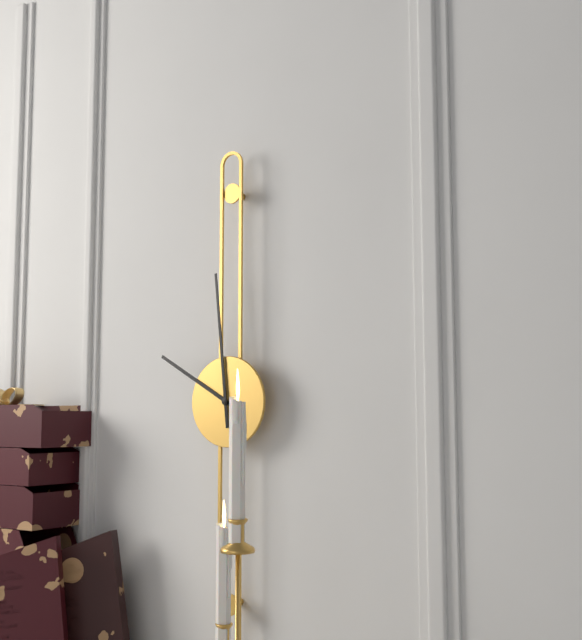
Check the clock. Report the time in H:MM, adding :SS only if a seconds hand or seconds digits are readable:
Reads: 9:59
